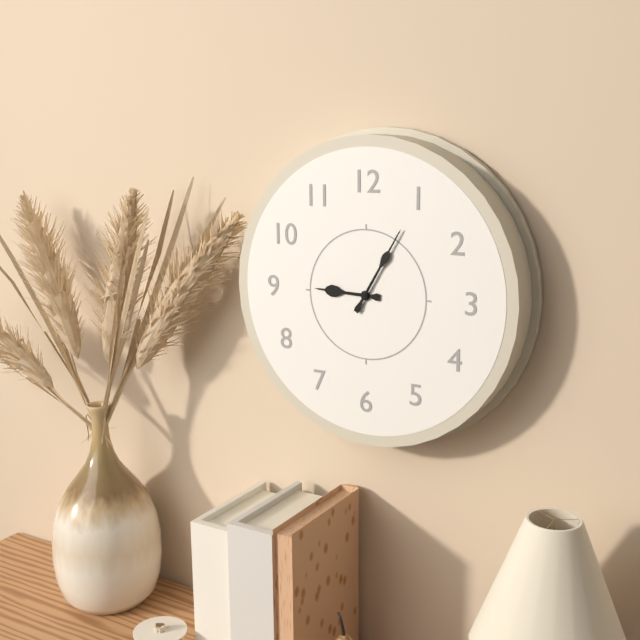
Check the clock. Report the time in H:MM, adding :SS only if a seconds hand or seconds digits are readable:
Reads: 9:05
